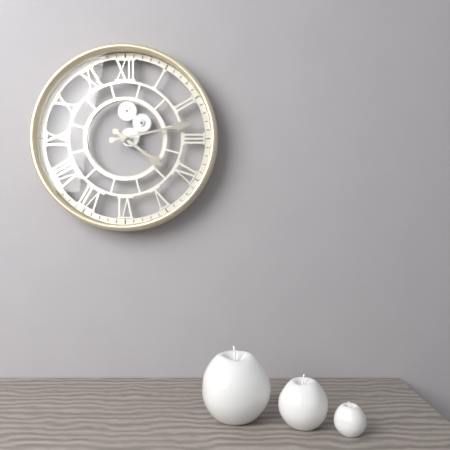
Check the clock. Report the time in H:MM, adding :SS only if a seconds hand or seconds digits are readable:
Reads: 4:13
